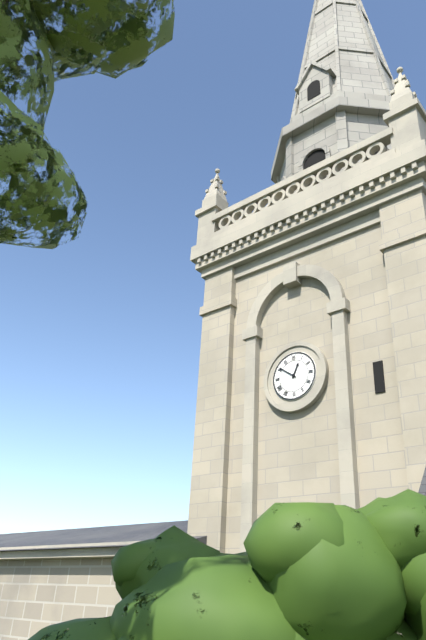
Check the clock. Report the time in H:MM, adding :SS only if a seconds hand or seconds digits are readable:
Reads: 12:51
